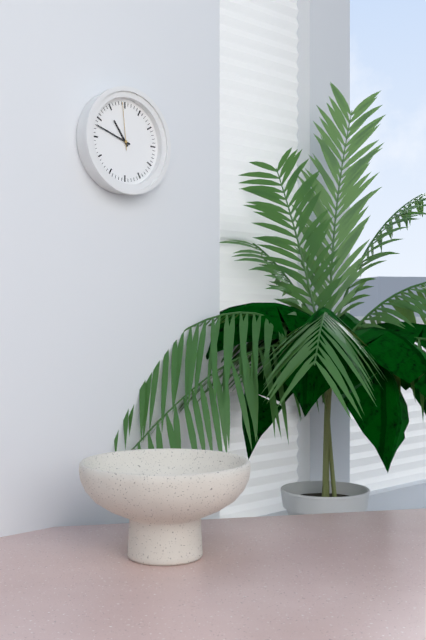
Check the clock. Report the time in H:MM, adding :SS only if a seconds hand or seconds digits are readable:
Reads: 10:48
